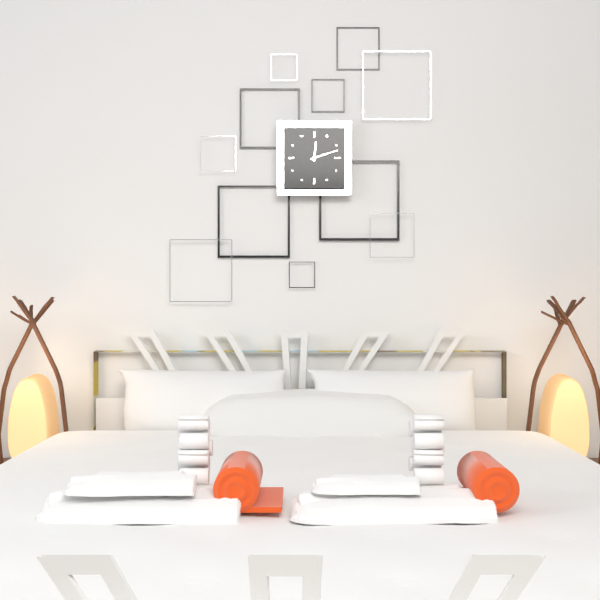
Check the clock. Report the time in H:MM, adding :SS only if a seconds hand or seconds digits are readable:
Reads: 12:12
